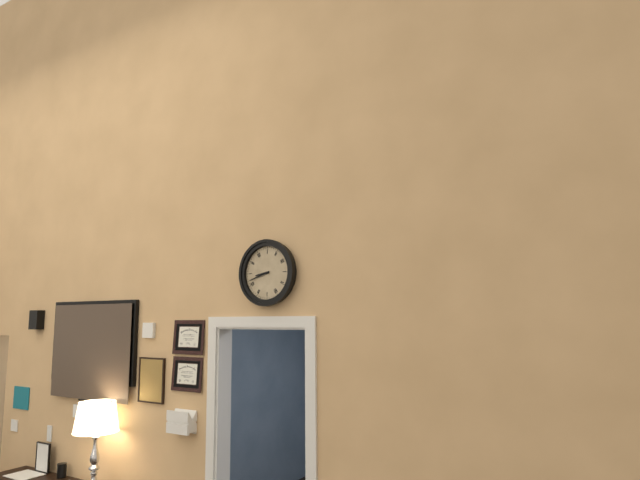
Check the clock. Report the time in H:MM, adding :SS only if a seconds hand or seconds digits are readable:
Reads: 8:42
